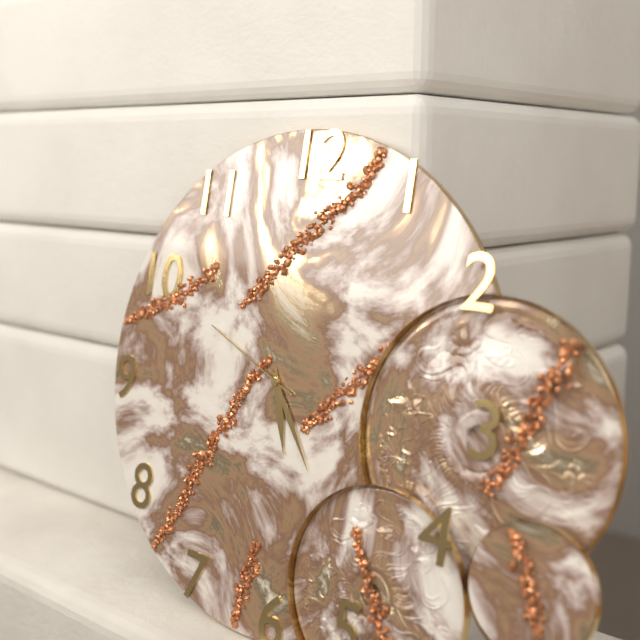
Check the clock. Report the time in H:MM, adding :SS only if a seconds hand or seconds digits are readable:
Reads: 5:24:49
